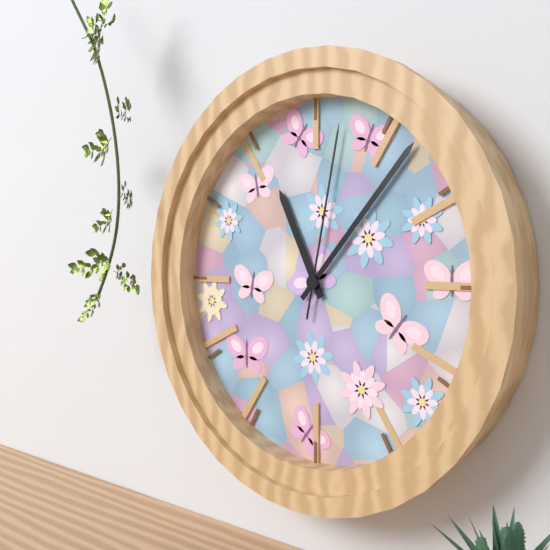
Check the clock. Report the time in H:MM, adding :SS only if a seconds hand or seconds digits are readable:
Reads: 11:07:02
